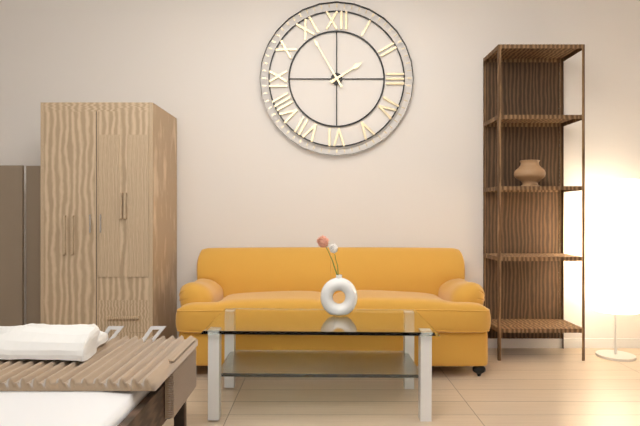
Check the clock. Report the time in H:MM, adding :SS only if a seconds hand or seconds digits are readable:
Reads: 1:55
